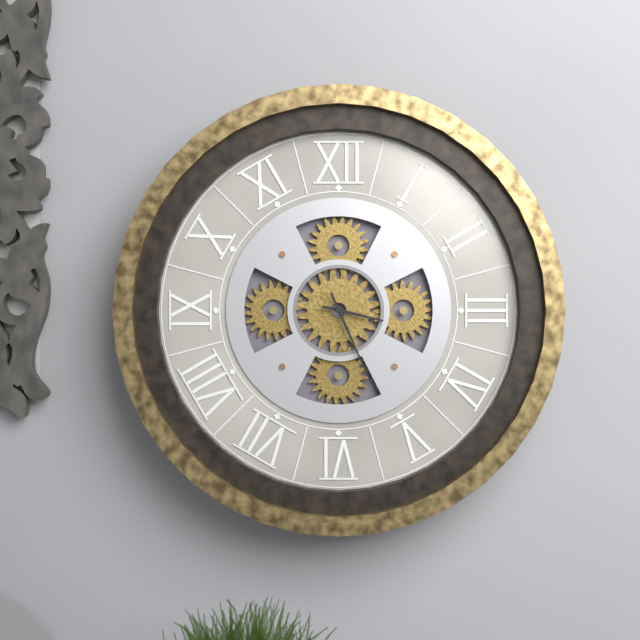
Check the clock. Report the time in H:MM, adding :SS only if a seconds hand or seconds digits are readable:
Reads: 3:26
